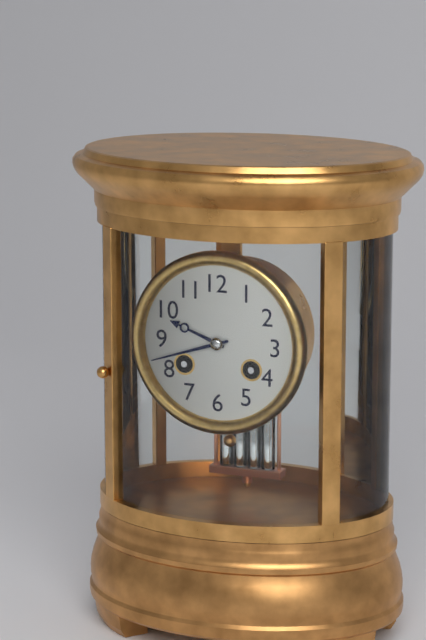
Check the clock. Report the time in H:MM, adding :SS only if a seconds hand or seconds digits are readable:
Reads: 9:42
